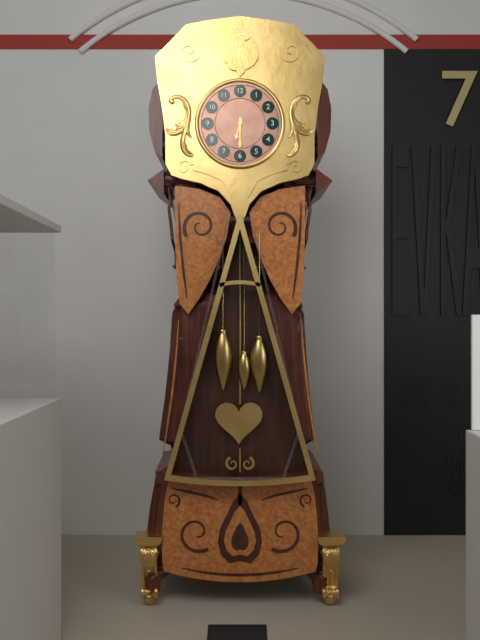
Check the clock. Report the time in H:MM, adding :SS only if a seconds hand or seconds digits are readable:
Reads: 6:30
